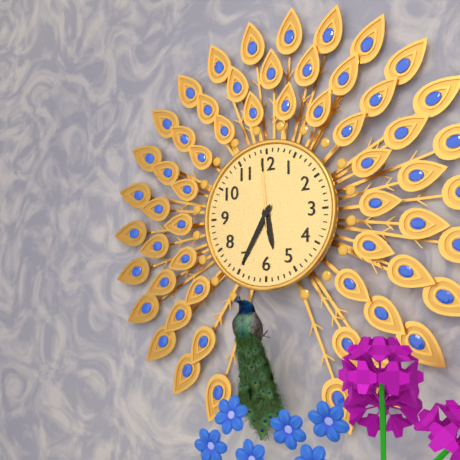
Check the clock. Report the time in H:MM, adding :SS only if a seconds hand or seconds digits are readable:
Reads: 5:35:59
